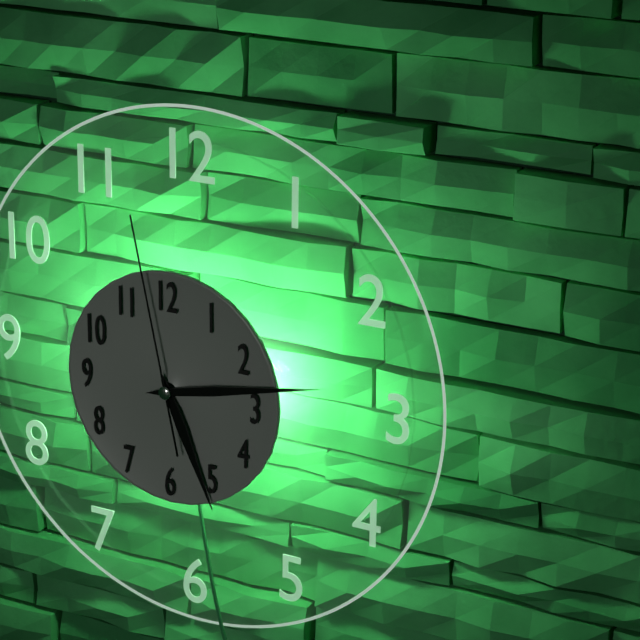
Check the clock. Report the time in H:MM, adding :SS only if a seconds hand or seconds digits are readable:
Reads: 5:13:58
